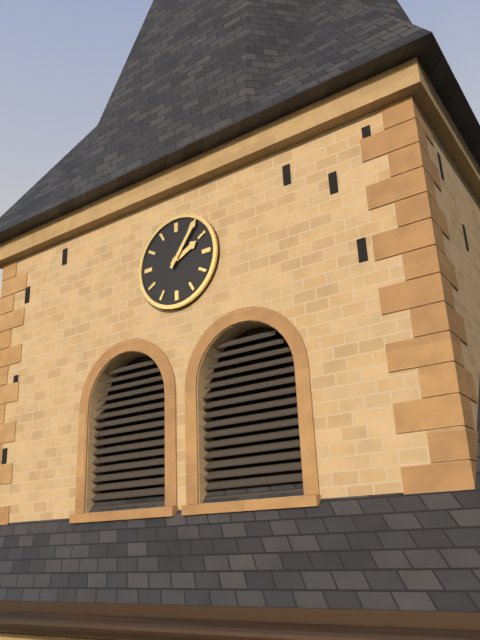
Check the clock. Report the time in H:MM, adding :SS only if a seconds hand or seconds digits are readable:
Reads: 2:06
